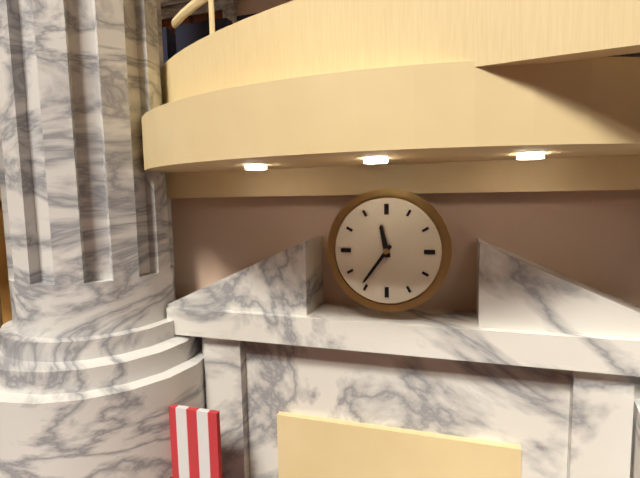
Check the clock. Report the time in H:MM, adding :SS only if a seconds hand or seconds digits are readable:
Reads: 11:36
